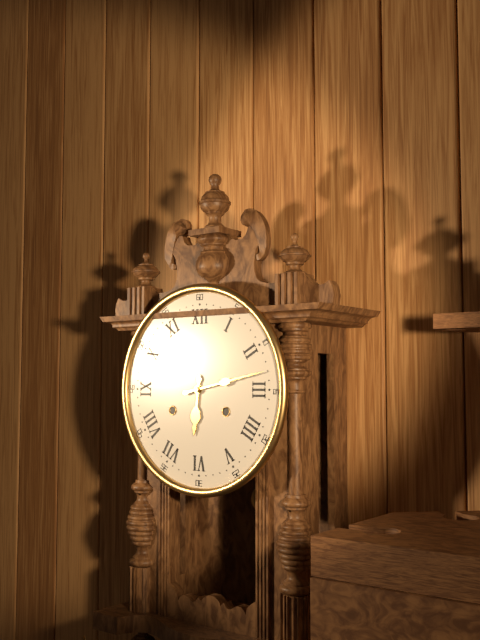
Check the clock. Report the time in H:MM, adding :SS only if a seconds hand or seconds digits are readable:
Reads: 6:13
